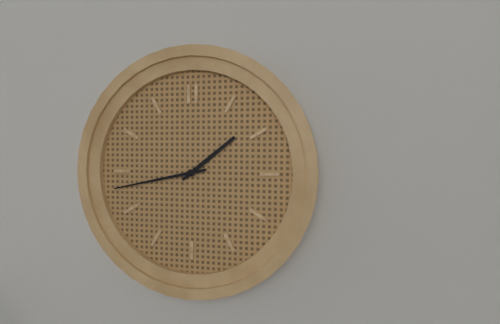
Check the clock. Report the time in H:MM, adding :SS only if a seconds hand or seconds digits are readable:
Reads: 1:43
